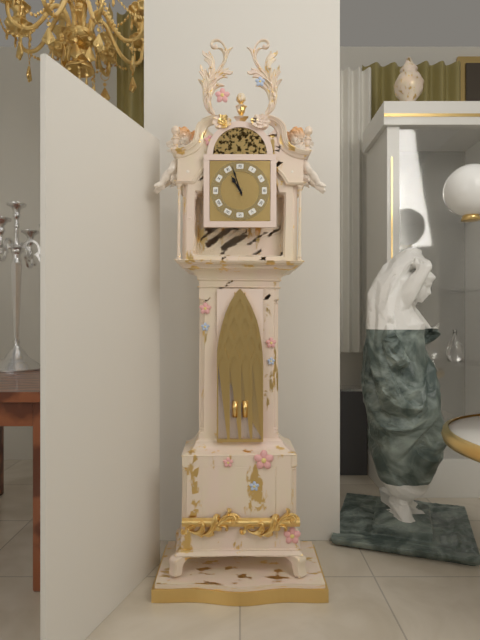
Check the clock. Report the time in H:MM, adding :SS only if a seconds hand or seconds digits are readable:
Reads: 10:57
